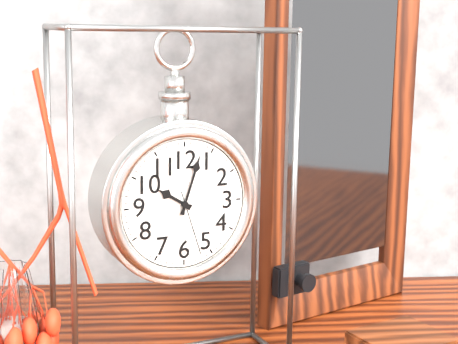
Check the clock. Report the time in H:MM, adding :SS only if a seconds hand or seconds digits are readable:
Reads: 10:03:27
